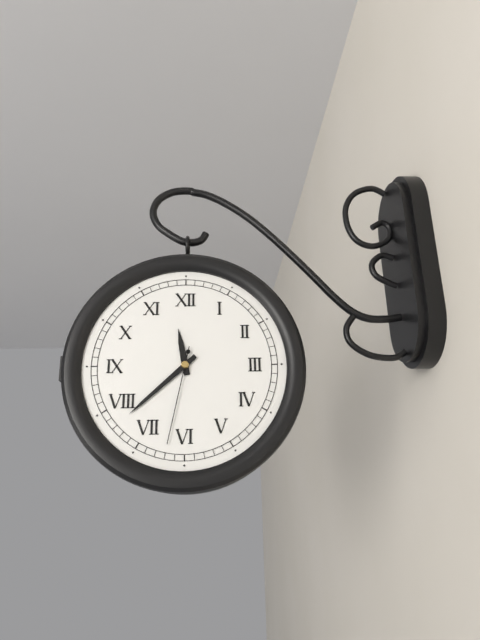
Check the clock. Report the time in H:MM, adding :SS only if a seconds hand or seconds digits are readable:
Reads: 11:38:32
